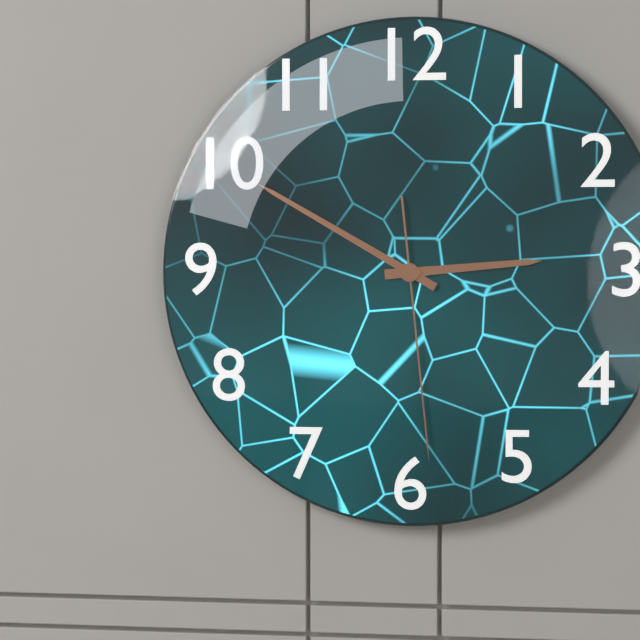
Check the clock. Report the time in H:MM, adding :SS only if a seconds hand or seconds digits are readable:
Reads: 2:50:29
